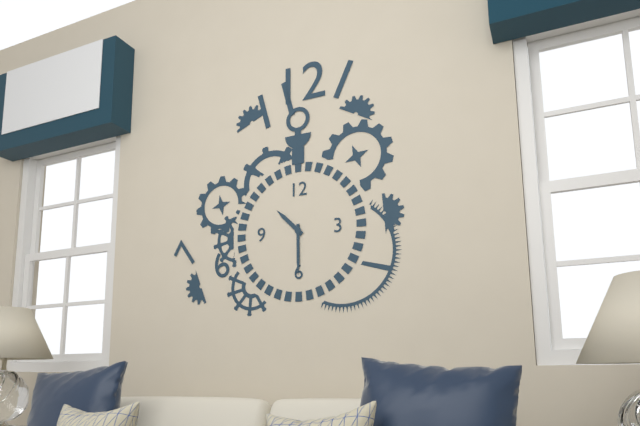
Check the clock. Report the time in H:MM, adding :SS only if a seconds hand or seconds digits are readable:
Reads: 10:30
